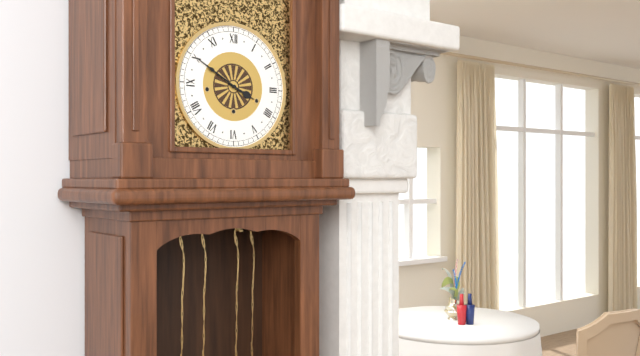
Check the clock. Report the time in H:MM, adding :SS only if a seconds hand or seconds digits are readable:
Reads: 3:50
